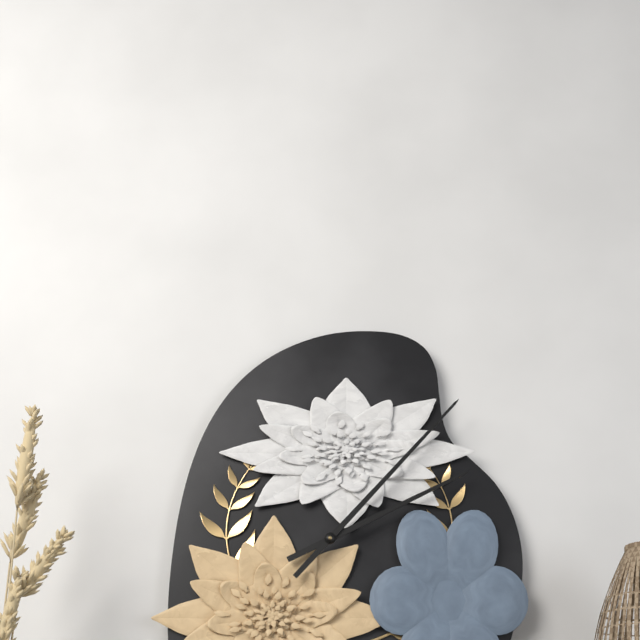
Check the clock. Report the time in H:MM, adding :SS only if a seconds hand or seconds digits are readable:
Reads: 2:07
